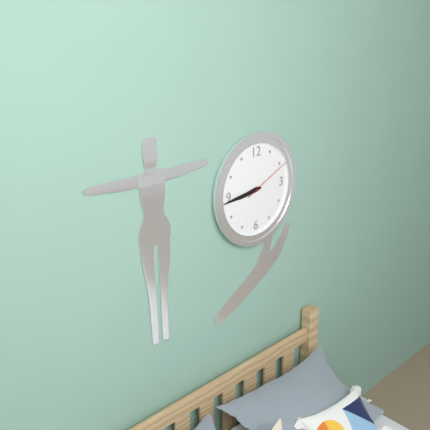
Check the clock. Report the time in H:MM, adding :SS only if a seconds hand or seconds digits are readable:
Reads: 8:44:11
